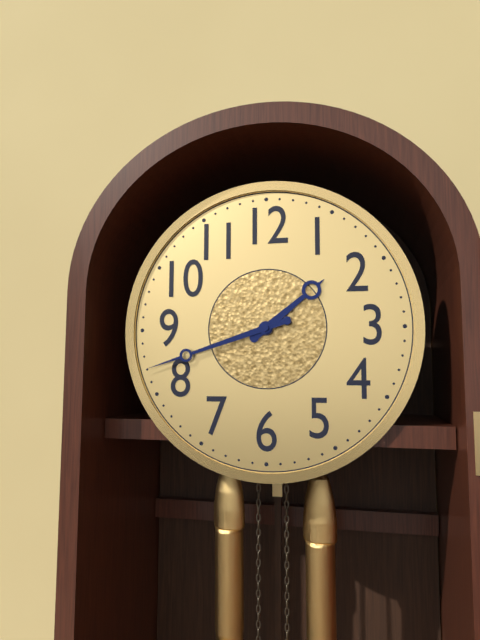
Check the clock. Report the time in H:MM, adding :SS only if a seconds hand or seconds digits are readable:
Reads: 1:42
